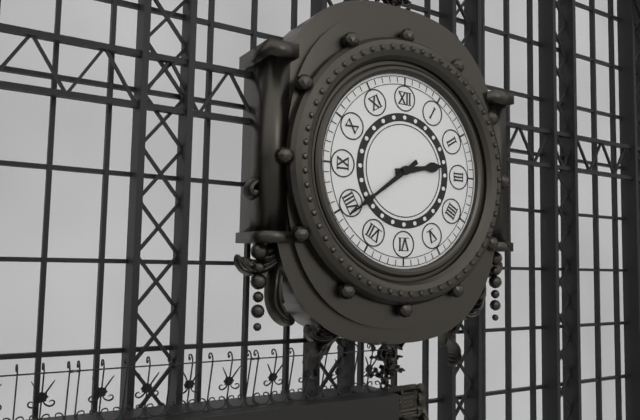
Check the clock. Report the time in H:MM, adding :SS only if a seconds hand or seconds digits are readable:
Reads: 2:39
